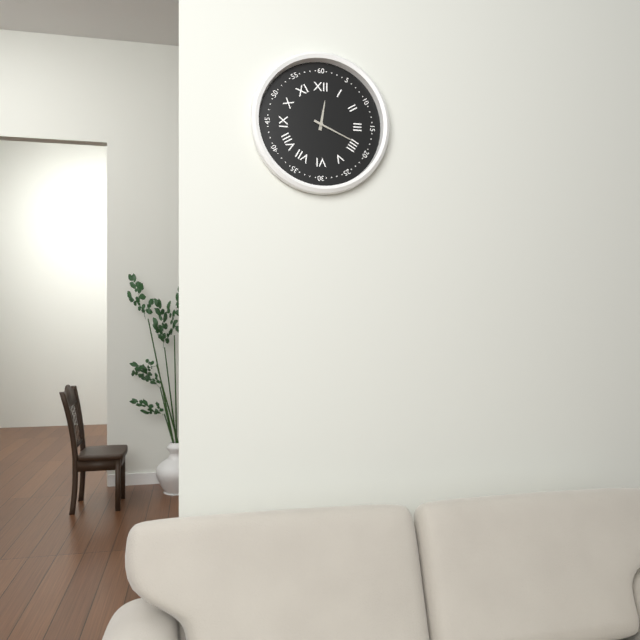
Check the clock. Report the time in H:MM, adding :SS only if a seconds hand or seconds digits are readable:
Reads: 12:19
